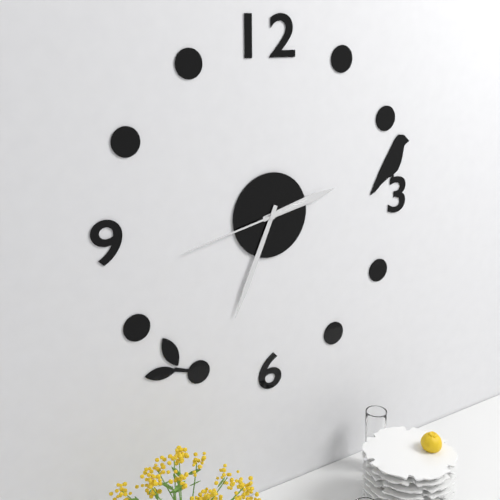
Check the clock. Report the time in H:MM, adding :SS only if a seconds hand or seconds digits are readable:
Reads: 2:34:43
